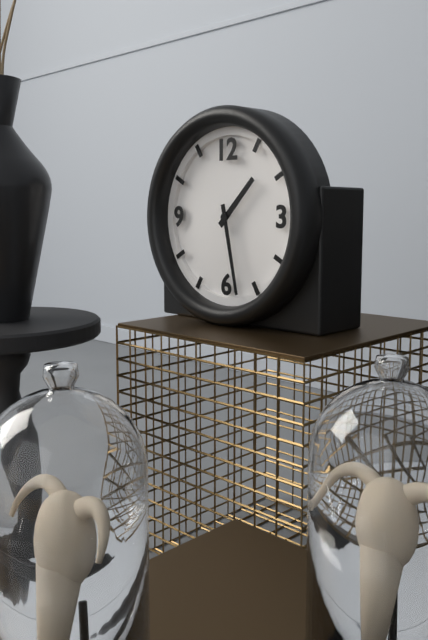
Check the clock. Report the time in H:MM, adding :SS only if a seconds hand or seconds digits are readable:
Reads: 1:28
